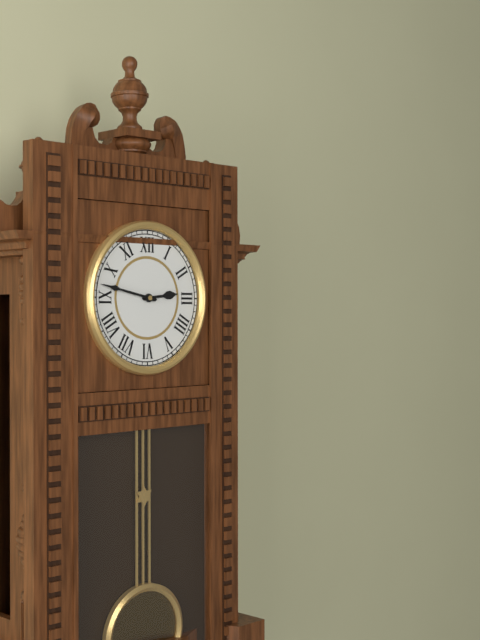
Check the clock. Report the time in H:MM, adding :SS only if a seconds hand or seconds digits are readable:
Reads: 2:47
